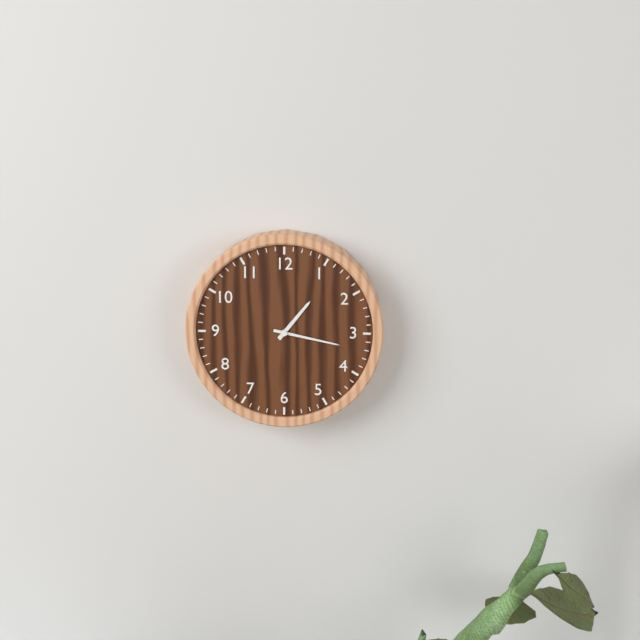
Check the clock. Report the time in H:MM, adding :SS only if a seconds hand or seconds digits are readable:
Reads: 1:17
